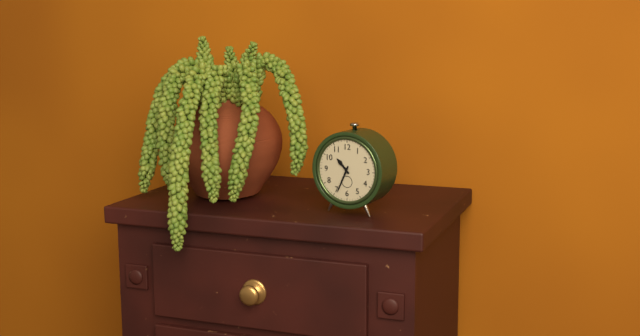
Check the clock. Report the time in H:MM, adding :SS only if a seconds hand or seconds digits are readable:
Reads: 10:34
